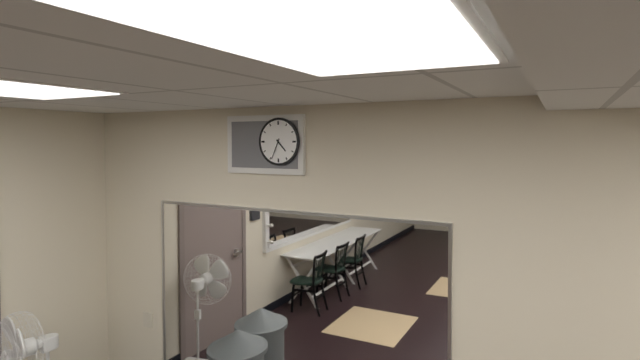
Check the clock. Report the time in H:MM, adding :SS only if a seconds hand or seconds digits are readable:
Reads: 4:34
